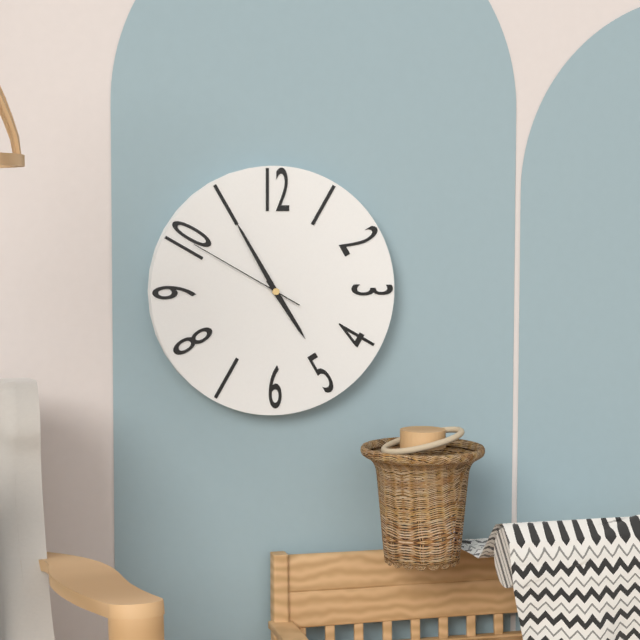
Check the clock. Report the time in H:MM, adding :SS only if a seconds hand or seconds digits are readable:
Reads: 4:55:50
